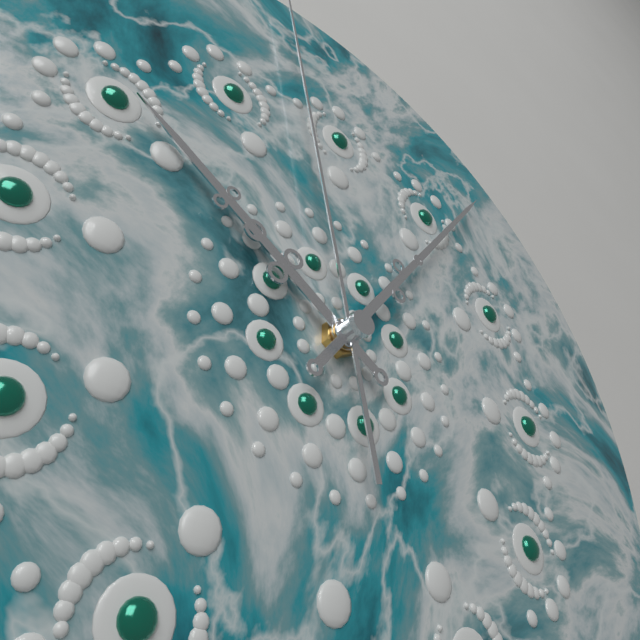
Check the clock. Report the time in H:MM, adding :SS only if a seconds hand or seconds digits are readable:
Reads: 10:06
